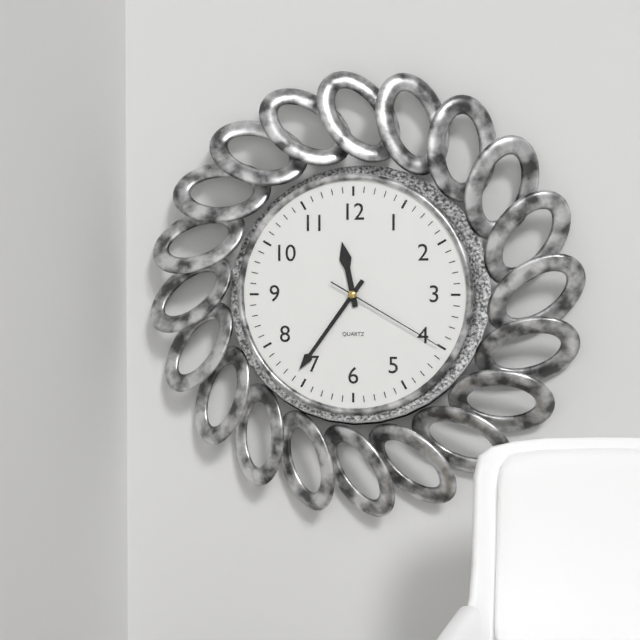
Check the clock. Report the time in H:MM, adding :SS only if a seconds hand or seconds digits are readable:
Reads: 11:36:20
